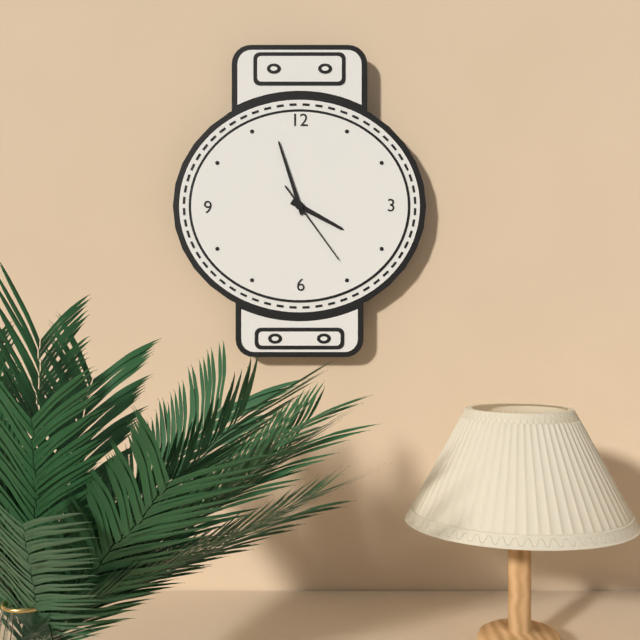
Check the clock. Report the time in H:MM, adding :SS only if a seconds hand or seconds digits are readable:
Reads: 3:57:24
